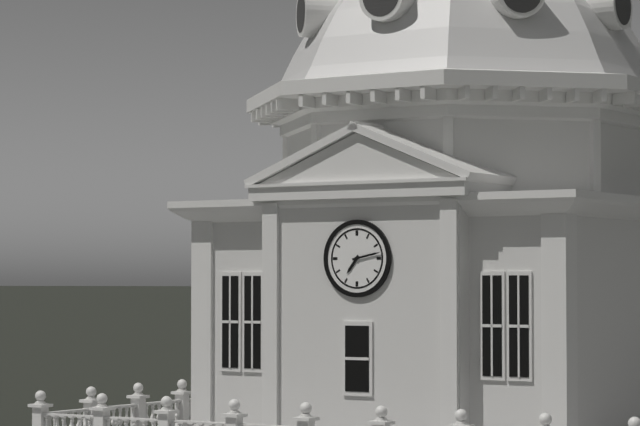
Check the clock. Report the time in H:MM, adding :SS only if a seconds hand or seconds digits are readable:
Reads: 7:13
